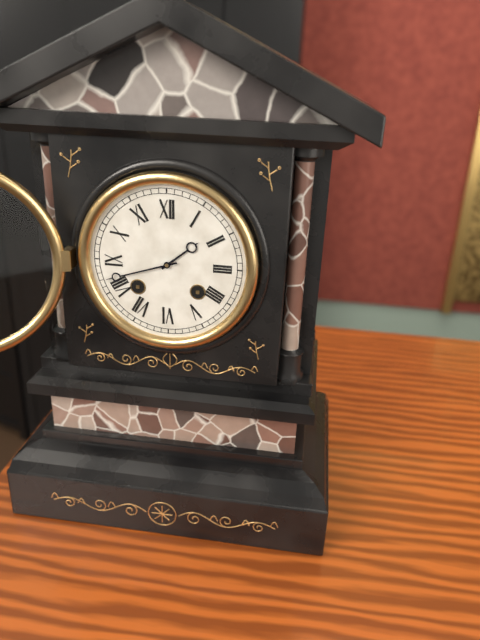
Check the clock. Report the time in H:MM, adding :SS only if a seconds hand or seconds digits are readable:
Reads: 1:42
